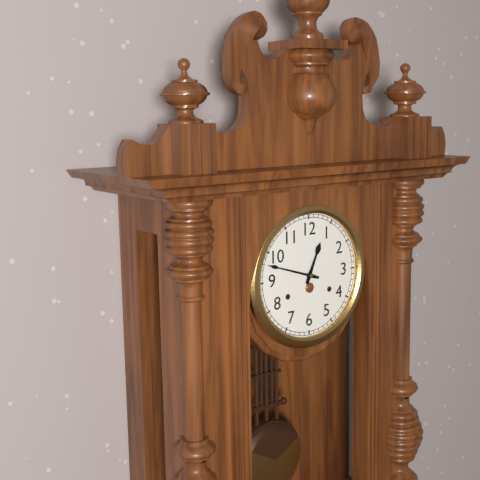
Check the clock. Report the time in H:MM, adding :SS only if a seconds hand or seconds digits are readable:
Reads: 12:48
